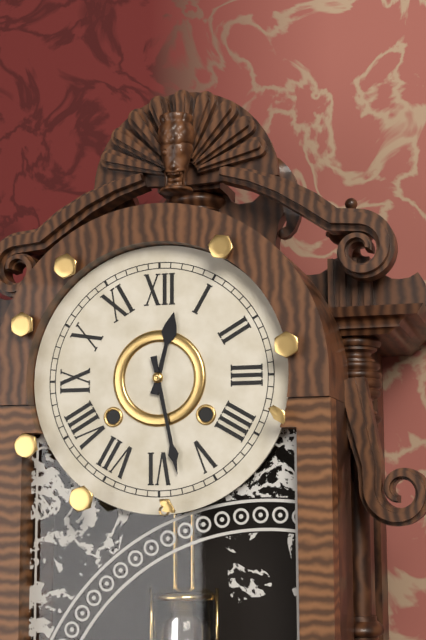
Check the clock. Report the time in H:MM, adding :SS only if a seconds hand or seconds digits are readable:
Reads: 12:28
